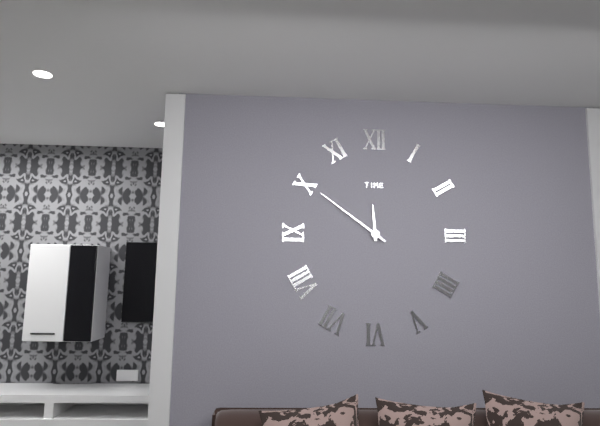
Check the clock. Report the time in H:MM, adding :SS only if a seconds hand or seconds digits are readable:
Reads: 11:51
